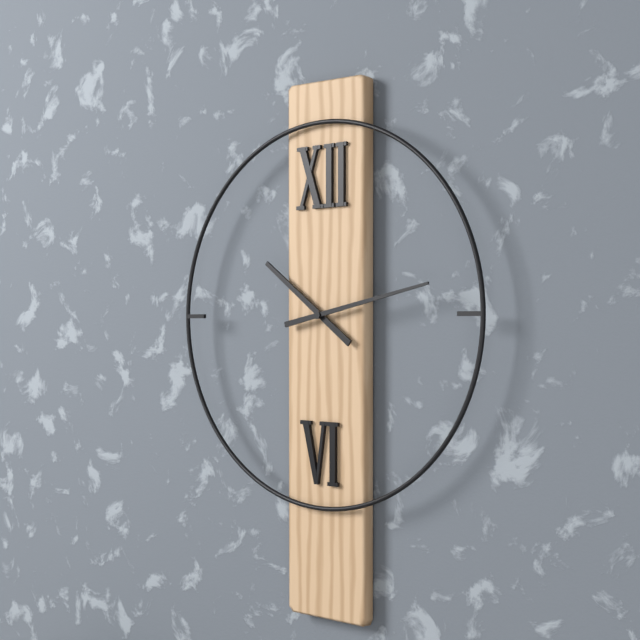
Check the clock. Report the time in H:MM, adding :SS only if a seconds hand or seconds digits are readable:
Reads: 10:13
